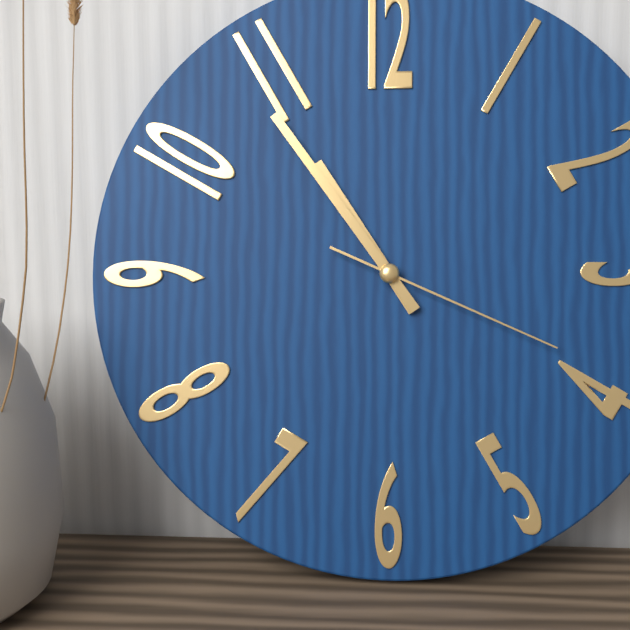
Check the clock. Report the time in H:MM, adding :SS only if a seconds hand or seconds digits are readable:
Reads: 10:54:19
